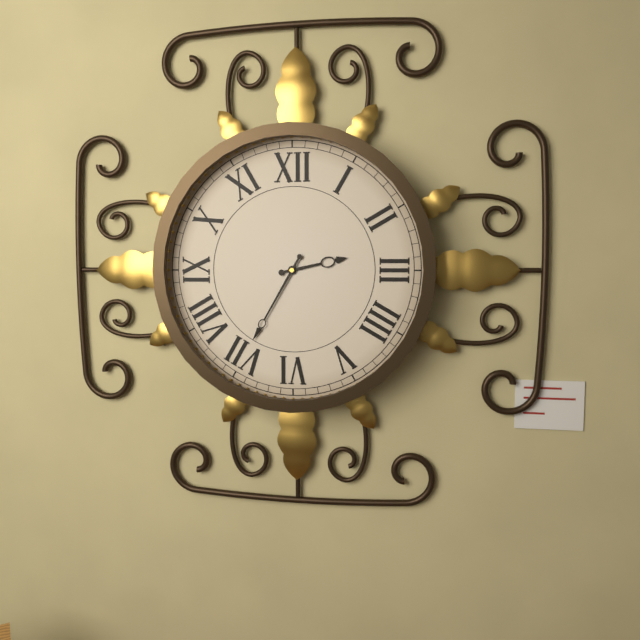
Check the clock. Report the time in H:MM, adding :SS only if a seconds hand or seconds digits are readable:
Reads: 2:35
